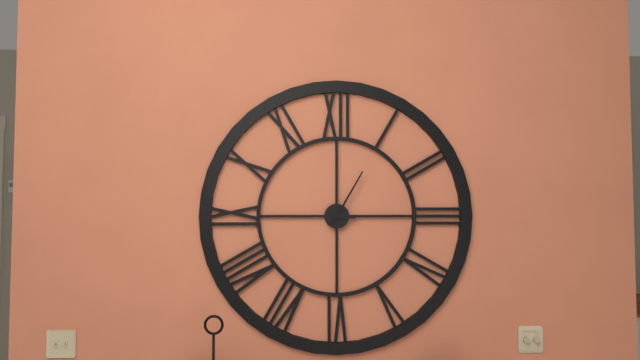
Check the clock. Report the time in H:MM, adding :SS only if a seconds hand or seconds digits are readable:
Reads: 3:05
